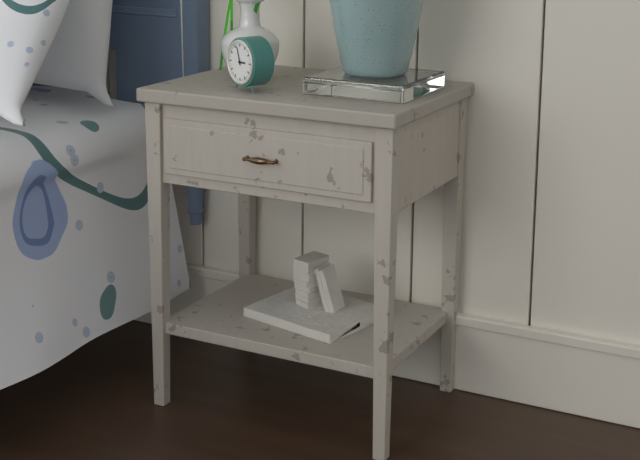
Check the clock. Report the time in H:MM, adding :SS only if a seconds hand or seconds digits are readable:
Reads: 2:57
